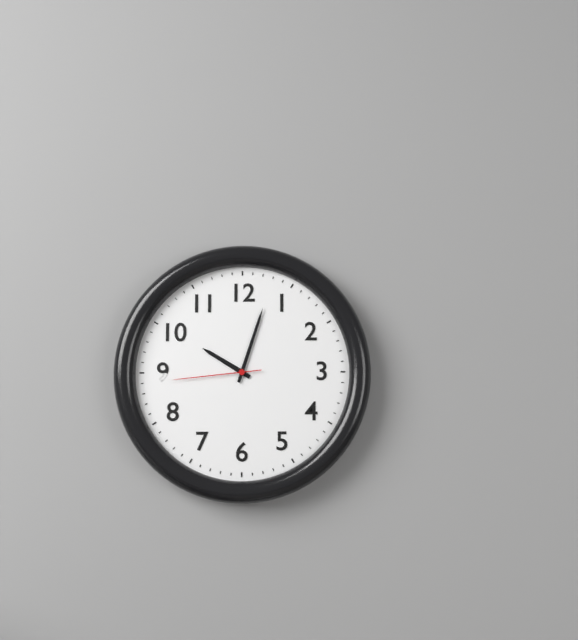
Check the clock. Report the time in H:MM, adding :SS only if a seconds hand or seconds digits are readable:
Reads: 10:03:44
